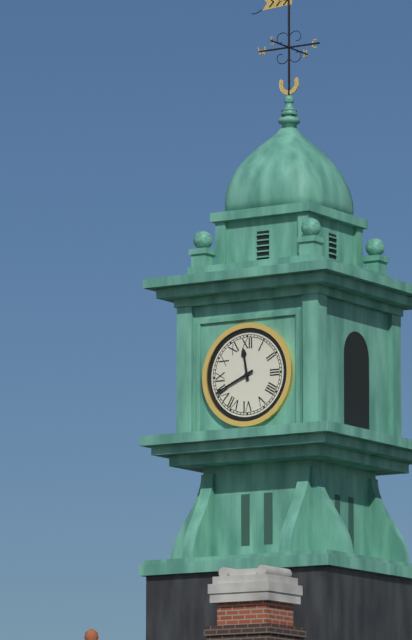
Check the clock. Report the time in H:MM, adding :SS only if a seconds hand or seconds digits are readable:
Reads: 11:41
